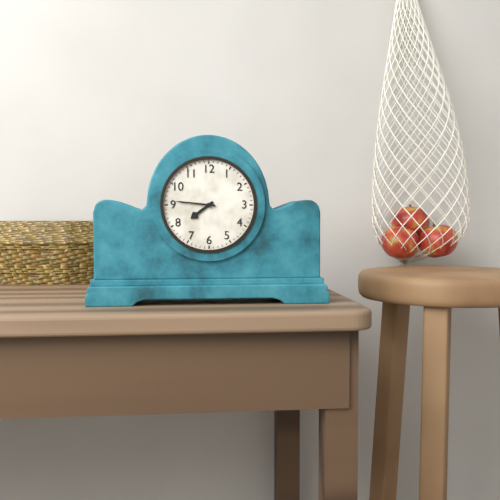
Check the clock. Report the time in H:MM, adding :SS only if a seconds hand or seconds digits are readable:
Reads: 7:46
